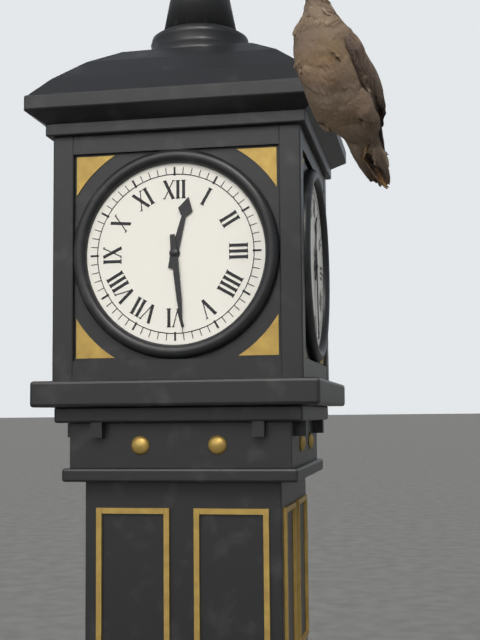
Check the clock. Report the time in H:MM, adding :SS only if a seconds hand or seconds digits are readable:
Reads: 12:29
